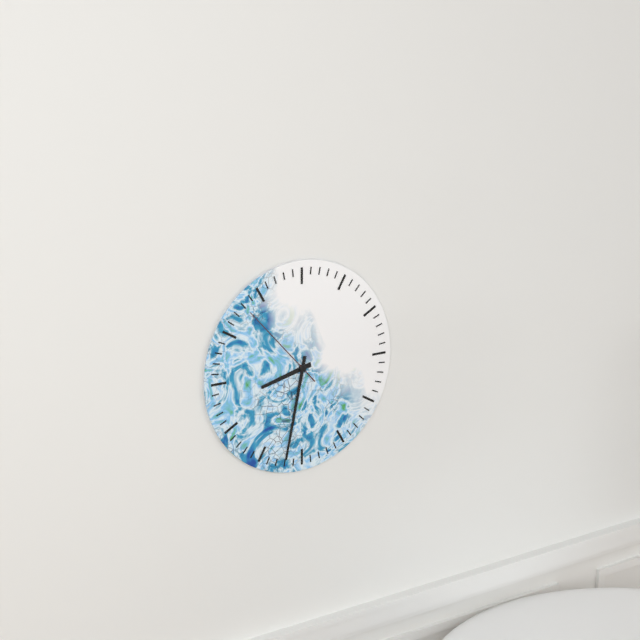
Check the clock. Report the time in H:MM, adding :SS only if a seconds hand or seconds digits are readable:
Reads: 8:32:53
